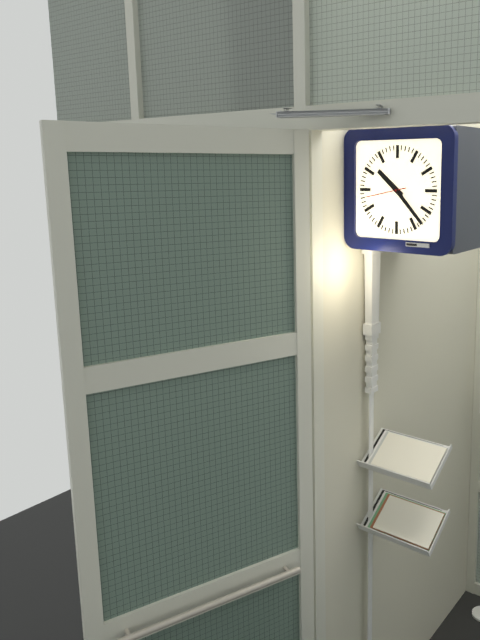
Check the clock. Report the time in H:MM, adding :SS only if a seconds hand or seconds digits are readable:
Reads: 10:23
